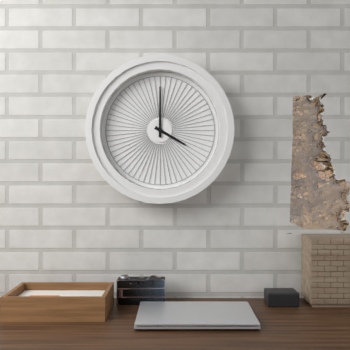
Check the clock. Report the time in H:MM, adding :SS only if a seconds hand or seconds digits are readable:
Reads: 4:00
